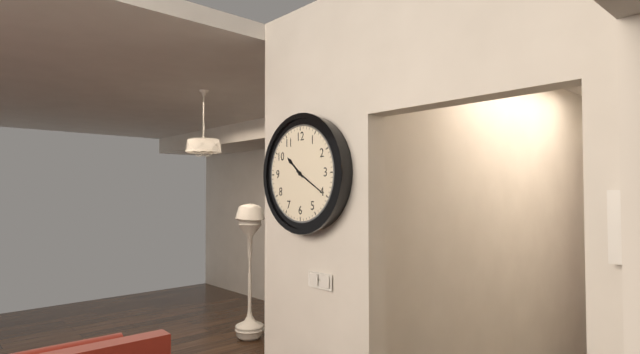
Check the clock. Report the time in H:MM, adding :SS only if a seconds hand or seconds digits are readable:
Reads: 10:20
